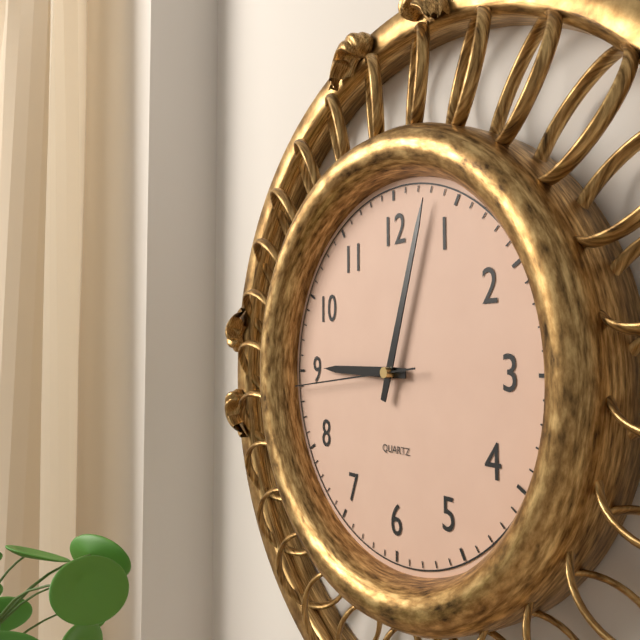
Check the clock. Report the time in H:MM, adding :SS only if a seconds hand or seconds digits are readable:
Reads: 9:03:44
